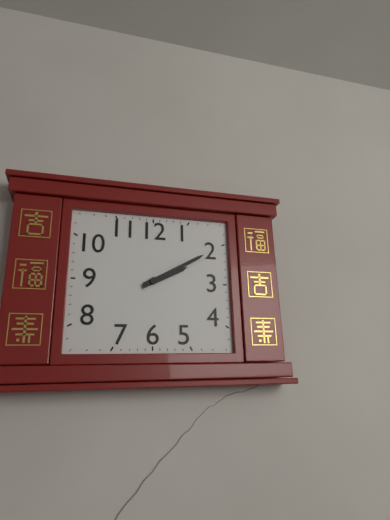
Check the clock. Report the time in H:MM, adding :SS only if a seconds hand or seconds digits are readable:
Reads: 2:10
